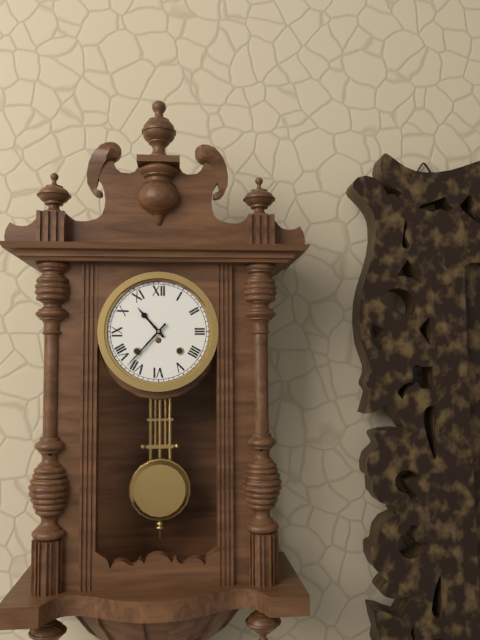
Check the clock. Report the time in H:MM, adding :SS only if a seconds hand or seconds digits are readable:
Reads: 10:37
